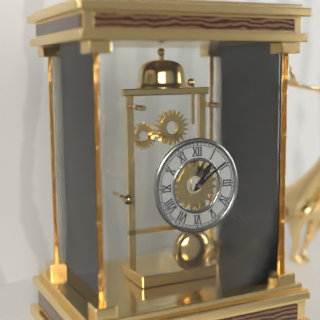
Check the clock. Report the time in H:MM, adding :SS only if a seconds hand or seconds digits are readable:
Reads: 1:09
